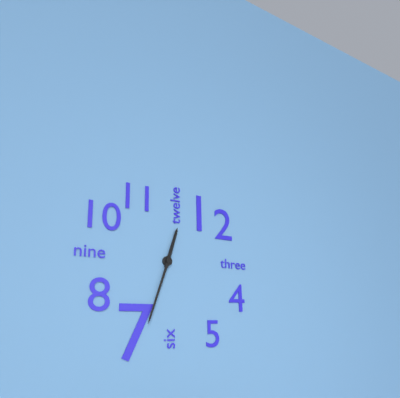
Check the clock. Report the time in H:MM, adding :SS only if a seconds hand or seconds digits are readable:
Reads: 12:33
